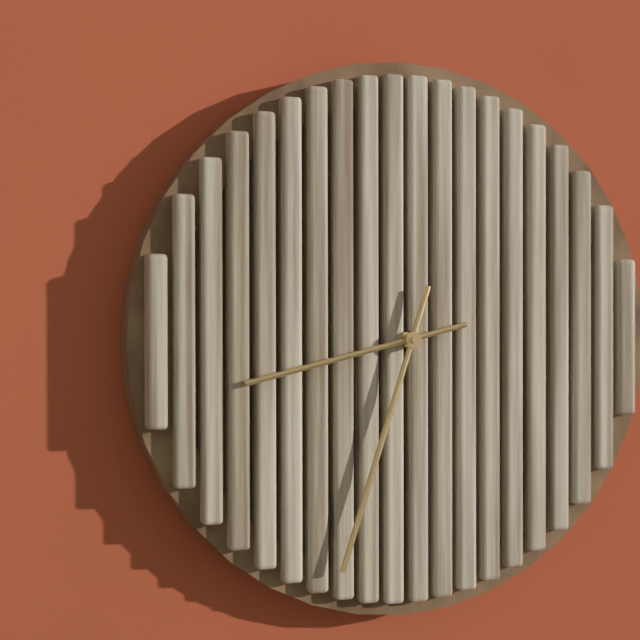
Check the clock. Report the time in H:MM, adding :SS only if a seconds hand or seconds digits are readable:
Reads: 8:33
